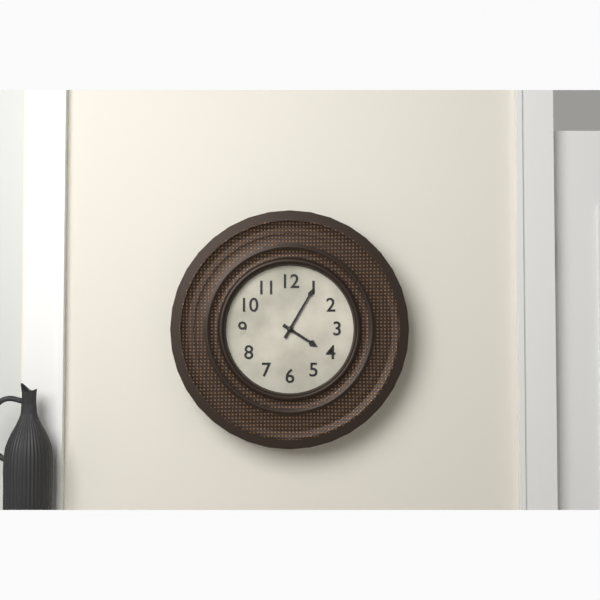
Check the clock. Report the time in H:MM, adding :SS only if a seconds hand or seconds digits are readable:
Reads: 4:05
